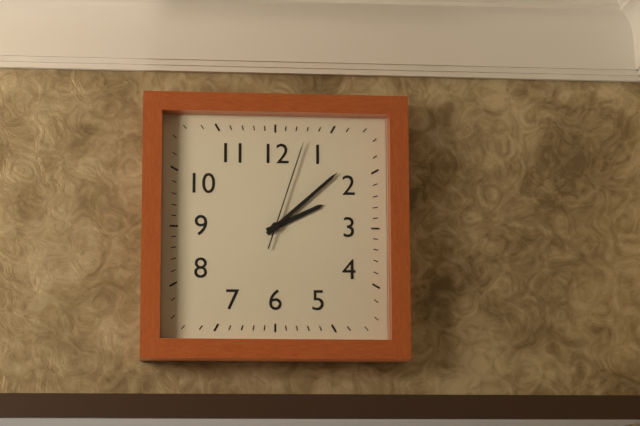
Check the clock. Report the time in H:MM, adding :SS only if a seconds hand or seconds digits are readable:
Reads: 2:08:03
